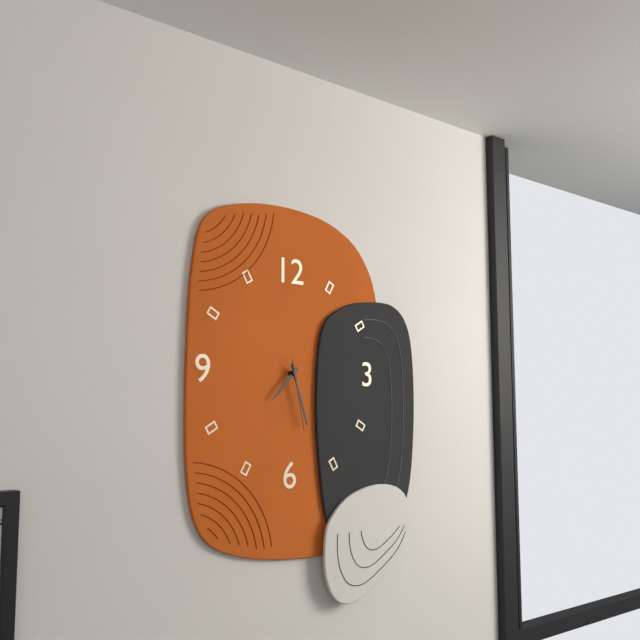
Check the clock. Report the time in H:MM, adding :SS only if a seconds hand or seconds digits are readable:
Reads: 7:27:28
